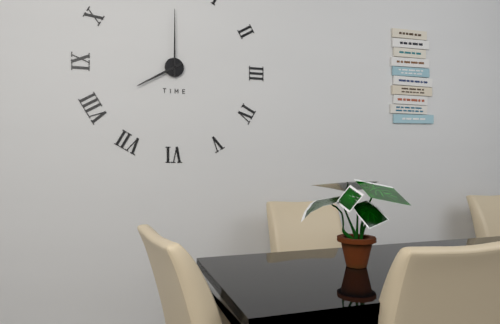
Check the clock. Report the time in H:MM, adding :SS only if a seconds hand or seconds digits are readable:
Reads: 8:00
